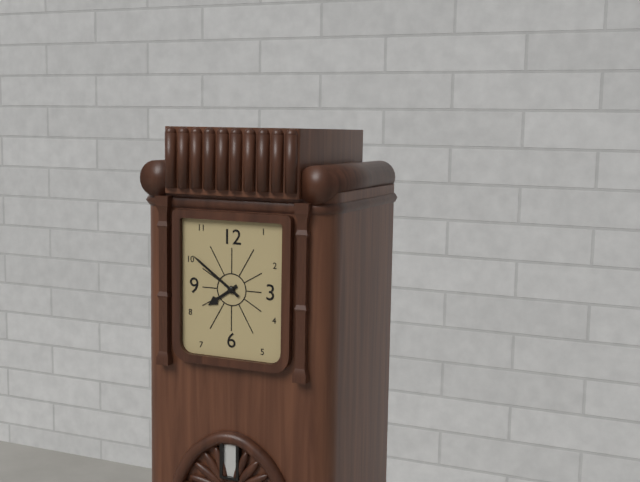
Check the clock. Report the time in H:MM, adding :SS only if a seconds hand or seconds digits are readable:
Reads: 7:51
